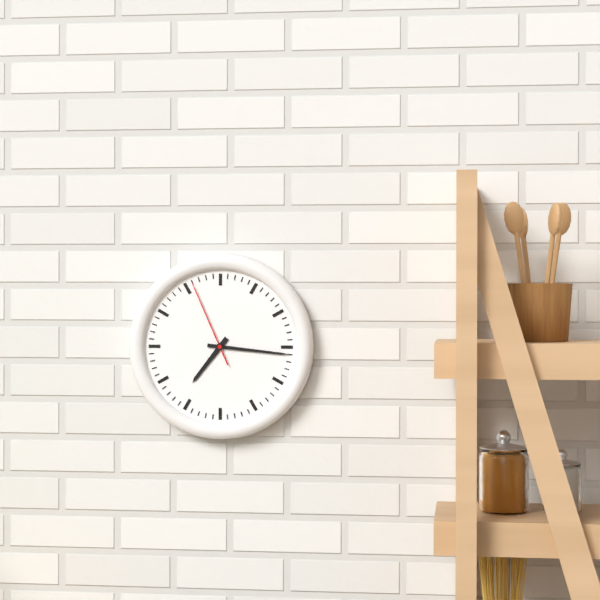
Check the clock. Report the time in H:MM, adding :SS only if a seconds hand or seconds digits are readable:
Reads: 7:16:56
